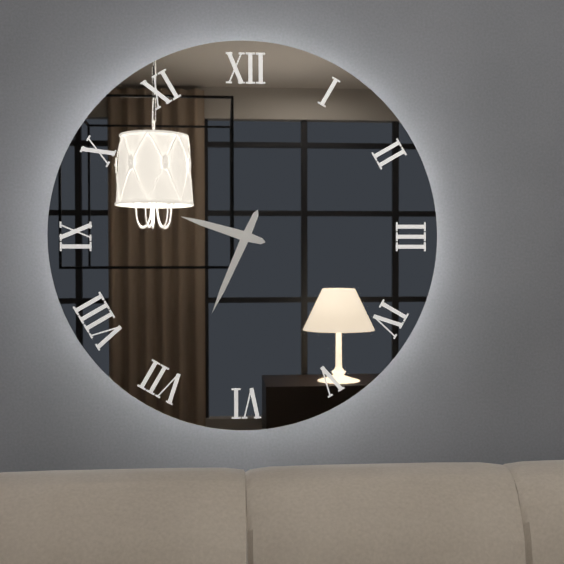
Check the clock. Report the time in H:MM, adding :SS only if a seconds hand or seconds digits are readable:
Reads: 9:34
